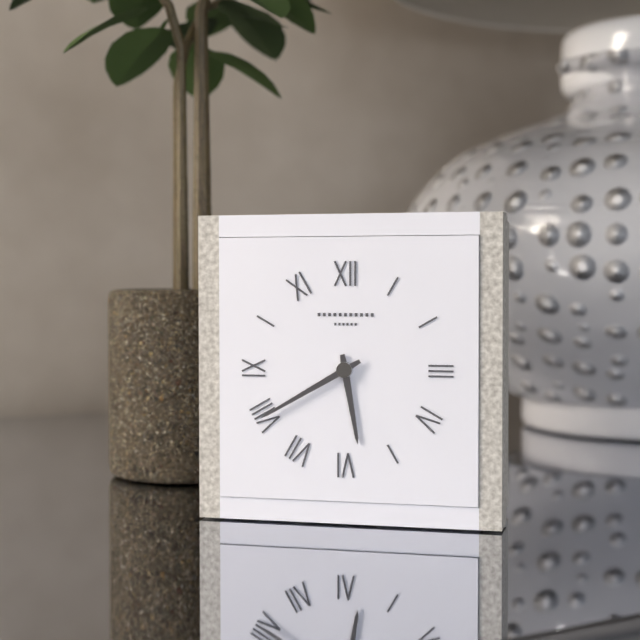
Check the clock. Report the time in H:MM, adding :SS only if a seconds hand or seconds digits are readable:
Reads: 5:40
